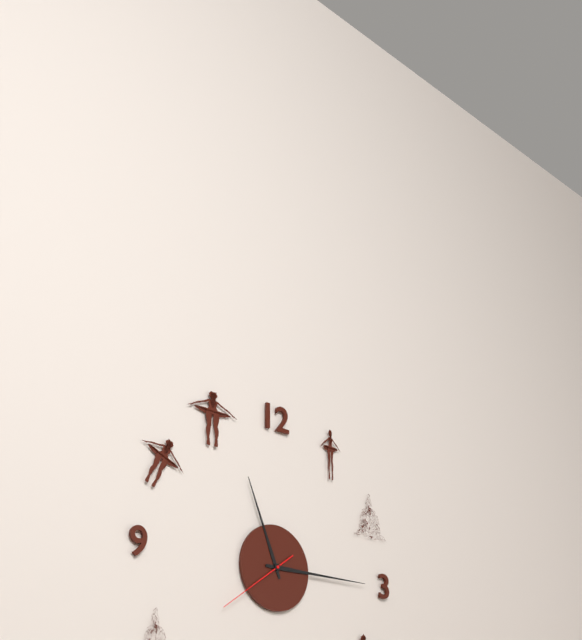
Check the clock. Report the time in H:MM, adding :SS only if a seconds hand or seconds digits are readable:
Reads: 11:15:39
